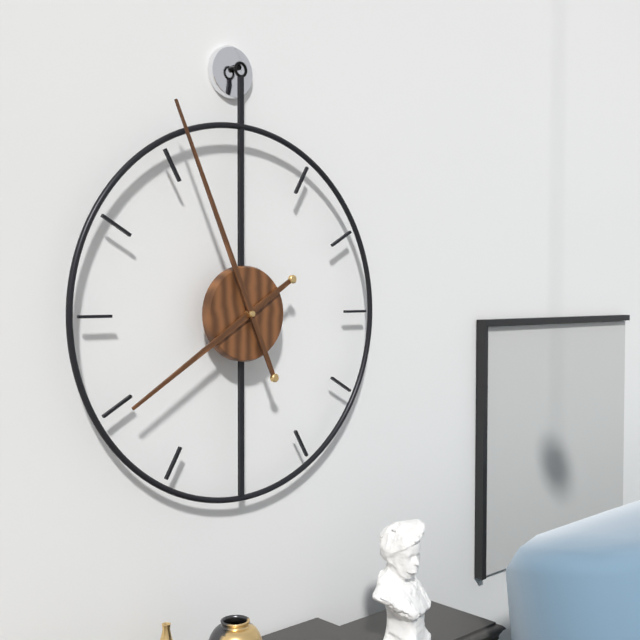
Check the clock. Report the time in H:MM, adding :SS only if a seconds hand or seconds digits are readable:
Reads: 7:56
